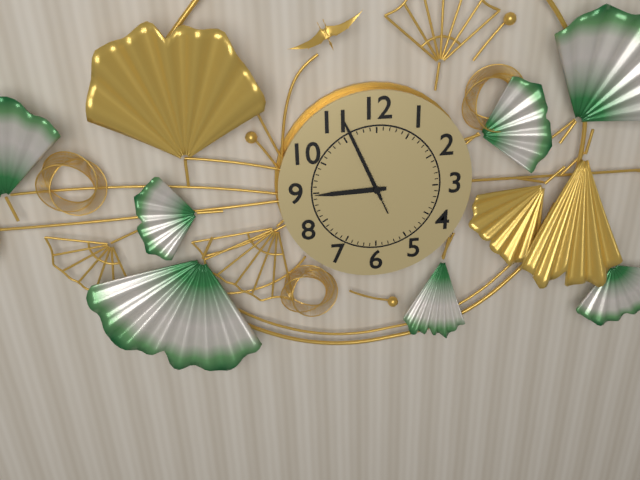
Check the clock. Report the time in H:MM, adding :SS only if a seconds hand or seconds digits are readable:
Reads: 8:56:56
